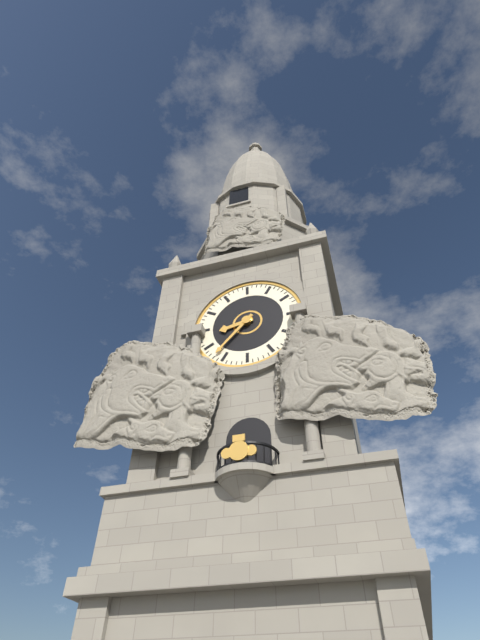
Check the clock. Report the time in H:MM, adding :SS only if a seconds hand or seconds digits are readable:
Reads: 8:37
